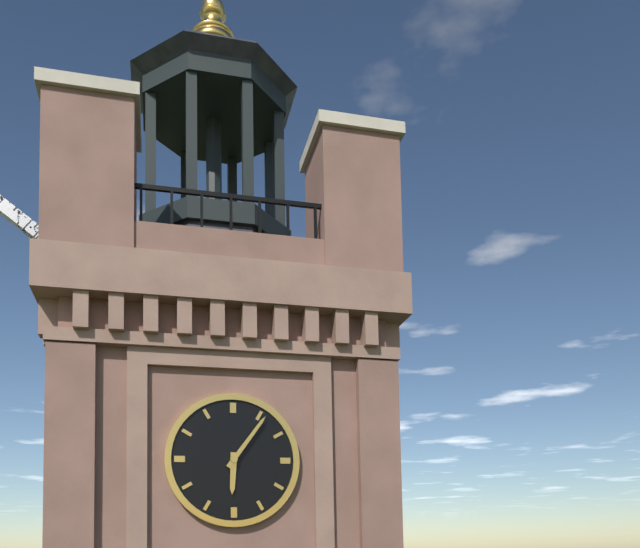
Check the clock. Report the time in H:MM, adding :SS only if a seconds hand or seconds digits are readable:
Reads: 6:06
